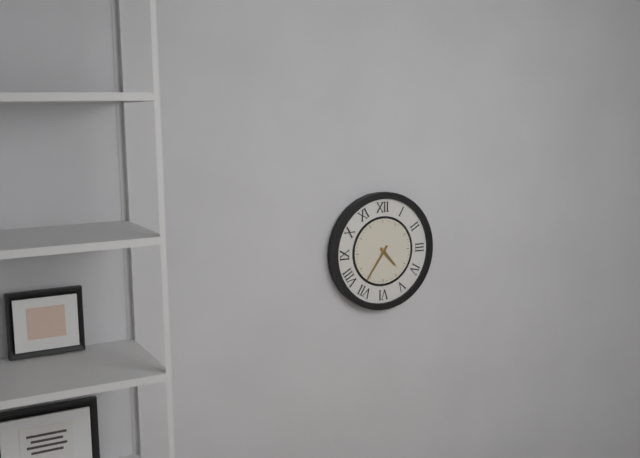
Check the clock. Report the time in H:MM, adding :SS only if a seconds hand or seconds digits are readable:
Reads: 4:36
